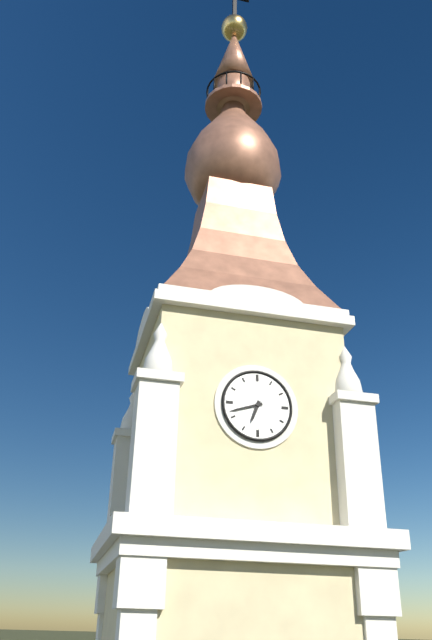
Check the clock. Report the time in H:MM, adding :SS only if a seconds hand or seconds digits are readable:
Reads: 6:42
